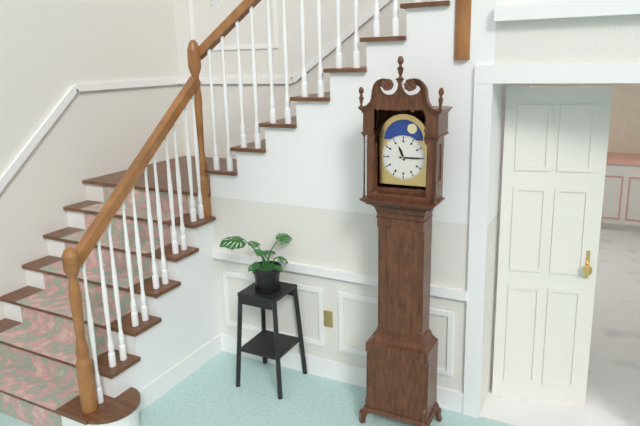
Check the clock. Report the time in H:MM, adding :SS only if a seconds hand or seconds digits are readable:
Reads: 11:15
